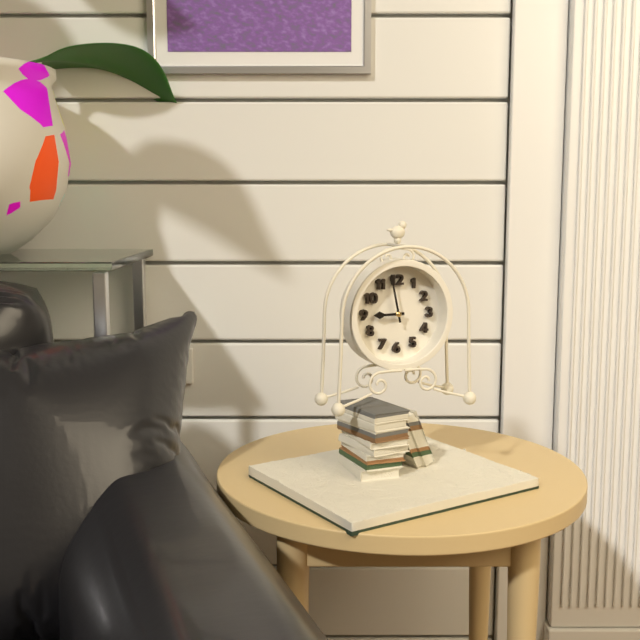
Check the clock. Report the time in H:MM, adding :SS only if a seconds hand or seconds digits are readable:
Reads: 8:58
